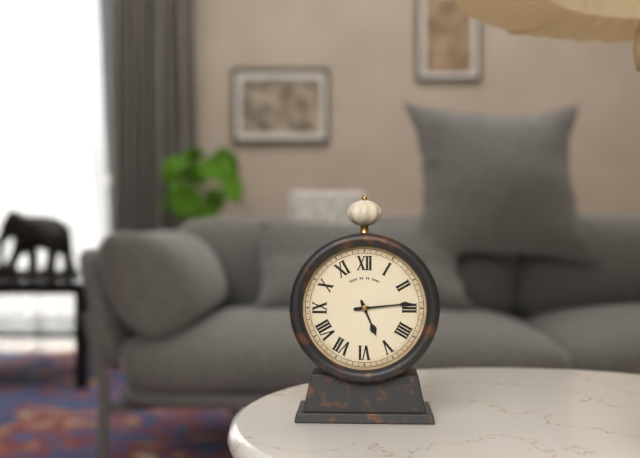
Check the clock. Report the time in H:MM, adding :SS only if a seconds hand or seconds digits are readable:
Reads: 5:14
